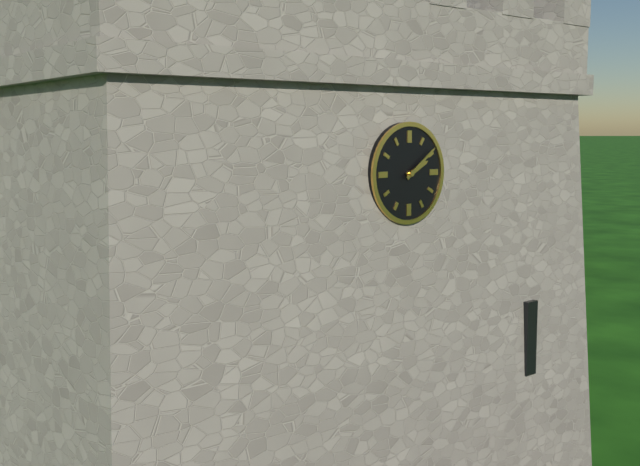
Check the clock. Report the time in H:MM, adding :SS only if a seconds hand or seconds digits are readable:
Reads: 2:09
